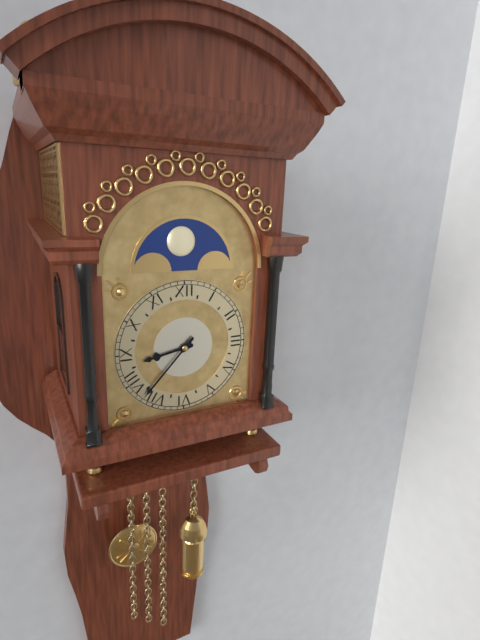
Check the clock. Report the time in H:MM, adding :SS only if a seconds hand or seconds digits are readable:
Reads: 8:37
